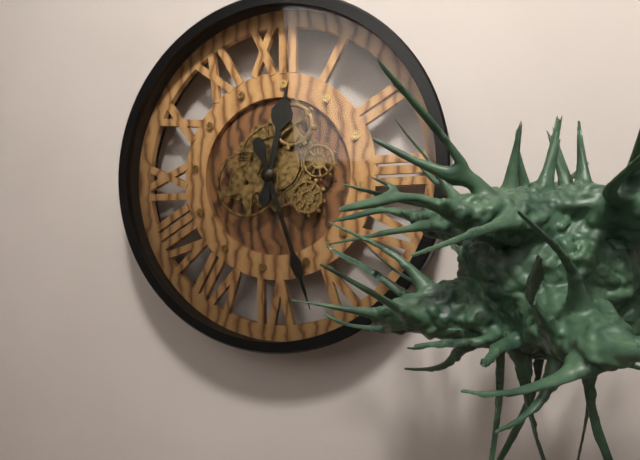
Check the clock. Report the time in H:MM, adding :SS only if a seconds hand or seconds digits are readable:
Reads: 12:27
